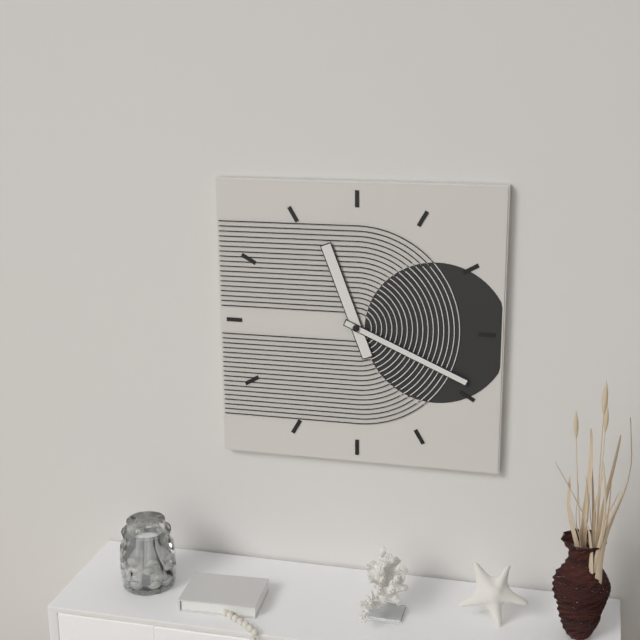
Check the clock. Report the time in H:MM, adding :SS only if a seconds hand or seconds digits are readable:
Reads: 11:19
